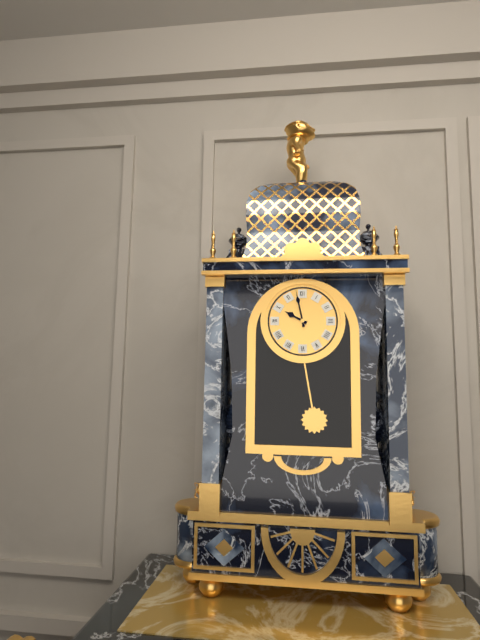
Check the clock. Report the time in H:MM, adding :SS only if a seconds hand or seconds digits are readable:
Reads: 9:58
